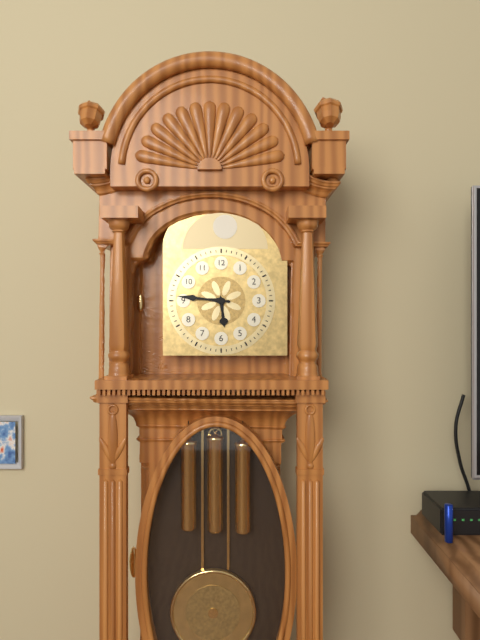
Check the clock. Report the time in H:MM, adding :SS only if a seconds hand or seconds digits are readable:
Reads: 5:46
